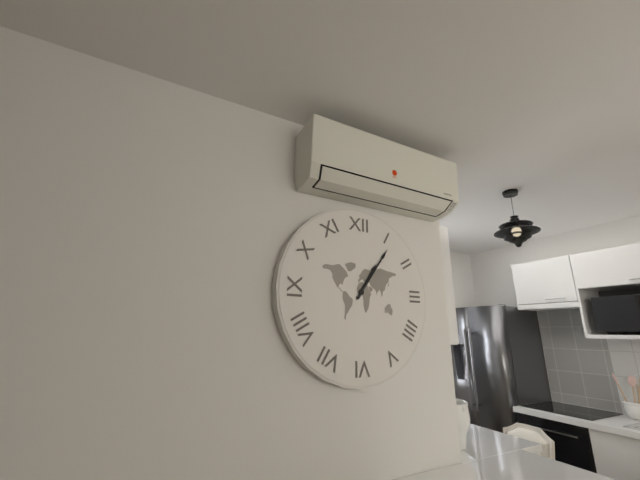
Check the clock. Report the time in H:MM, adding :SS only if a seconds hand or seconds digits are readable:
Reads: 1:06
